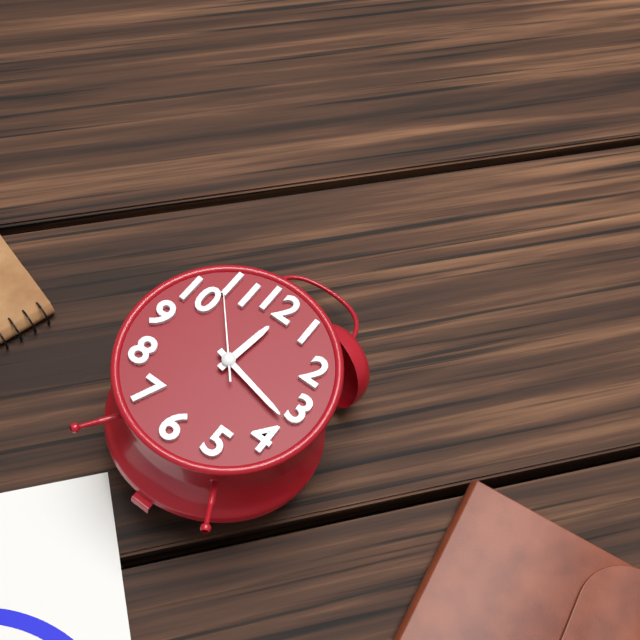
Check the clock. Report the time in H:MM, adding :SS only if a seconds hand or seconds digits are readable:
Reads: 12:17:53
